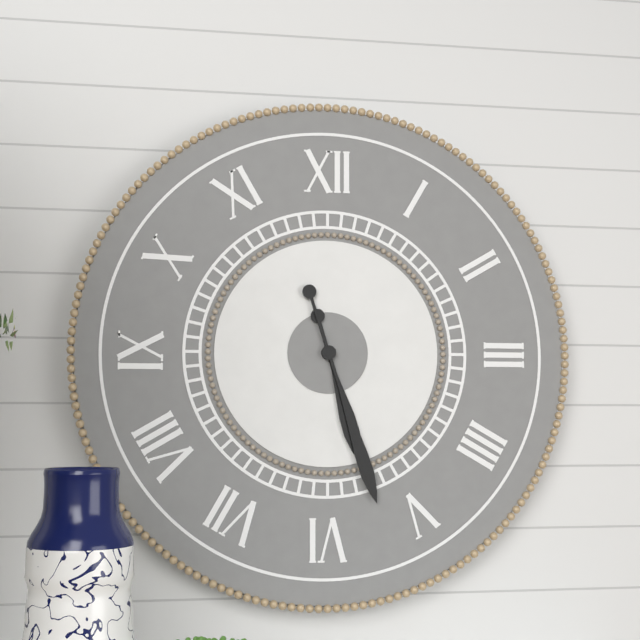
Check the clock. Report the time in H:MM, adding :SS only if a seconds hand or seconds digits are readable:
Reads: 5:27
